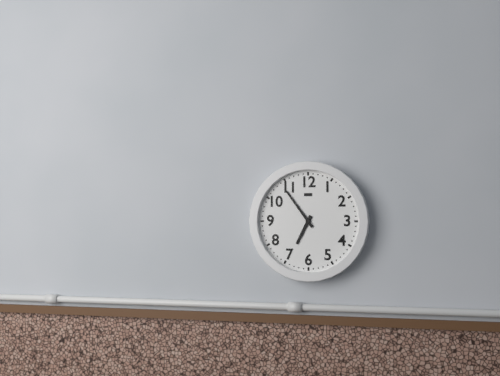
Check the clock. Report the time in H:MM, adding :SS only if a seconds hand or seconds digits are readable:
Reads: 6:54
